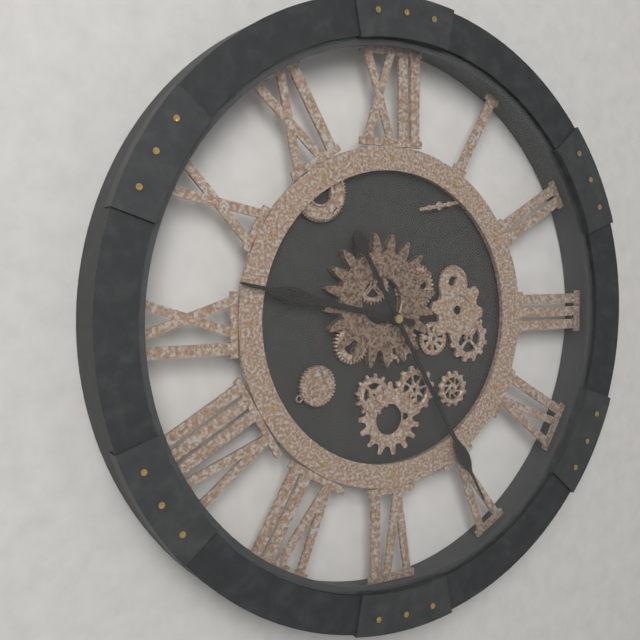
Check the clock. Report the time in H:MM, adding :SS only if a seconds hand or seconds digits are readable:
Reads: 9:25
